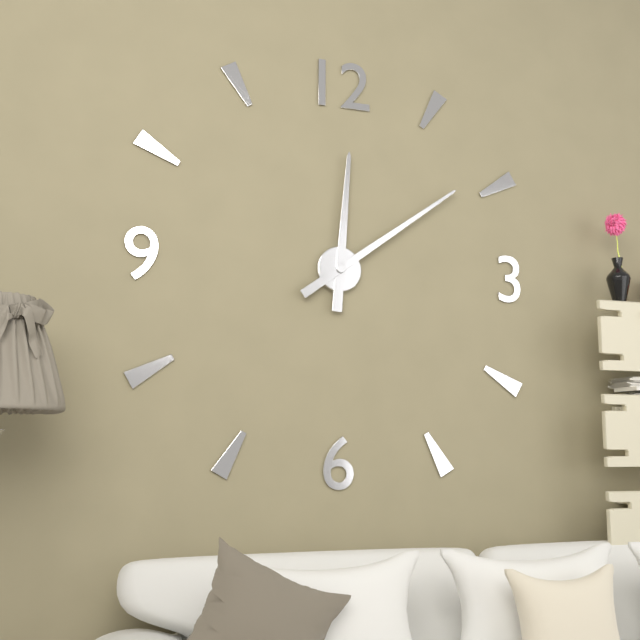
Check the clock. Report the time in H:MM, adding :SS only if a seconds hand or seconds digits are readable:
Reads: 12:09
